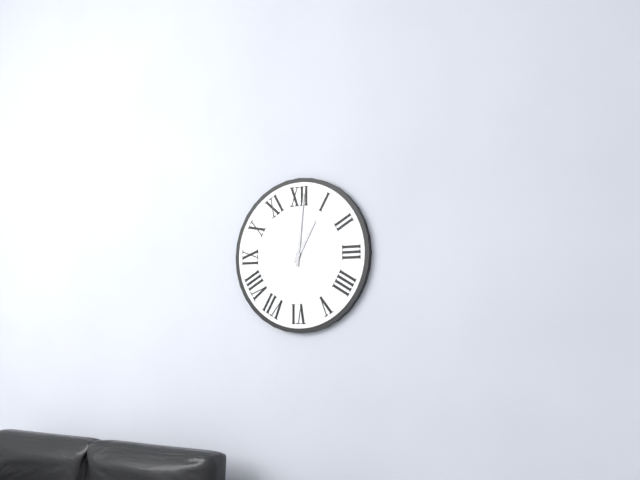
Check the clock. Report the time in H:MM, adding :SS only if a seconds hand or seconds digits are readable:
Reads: 1:01
